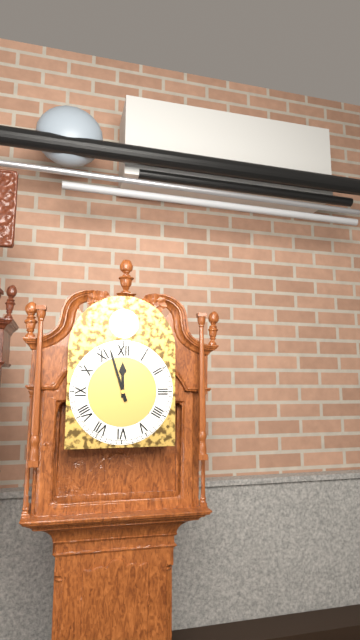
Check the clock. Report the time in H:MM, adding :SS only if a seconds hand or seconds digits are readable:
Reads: 11:57
